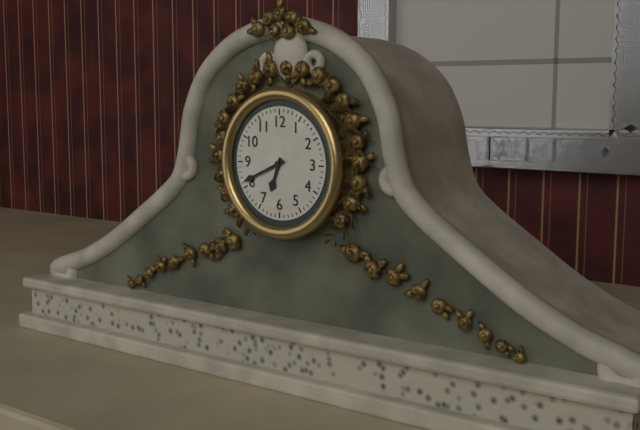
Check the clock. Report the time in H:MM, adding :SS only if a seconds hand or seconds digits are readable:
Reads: 6:41
